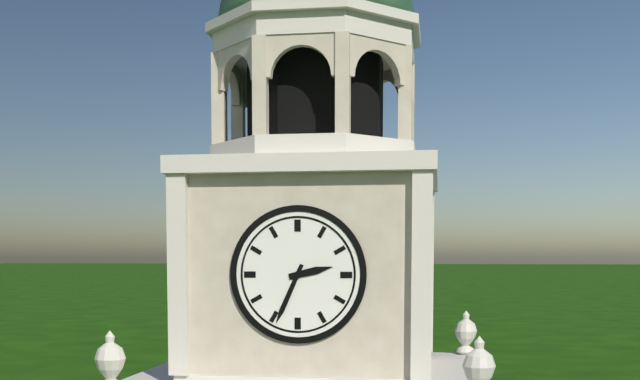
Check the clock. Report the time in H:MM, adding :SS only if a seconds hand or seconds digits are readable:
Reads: 2:34
